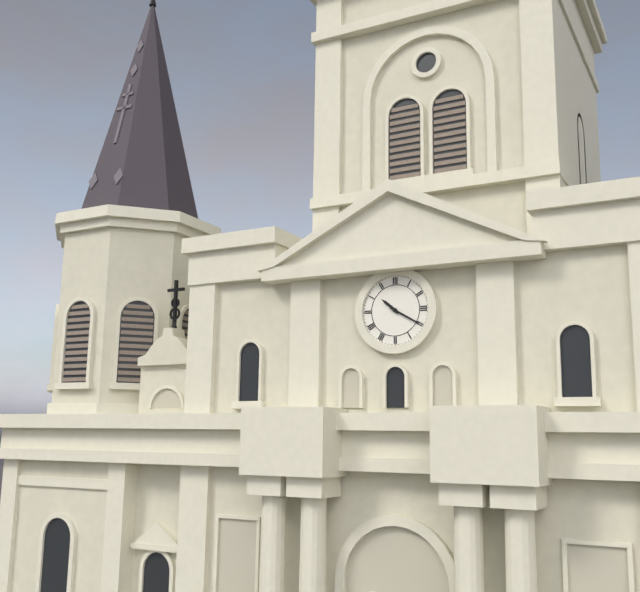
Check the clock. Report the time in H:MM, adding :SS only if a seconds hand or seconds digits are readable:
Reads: 10:20
